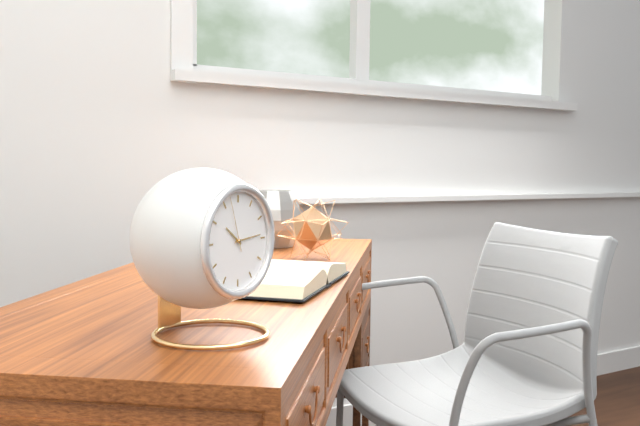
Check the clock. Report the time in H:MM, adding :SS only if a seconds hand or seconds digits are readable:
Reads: 10:14:57
